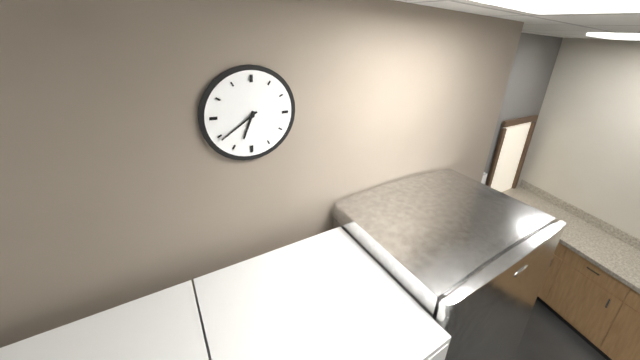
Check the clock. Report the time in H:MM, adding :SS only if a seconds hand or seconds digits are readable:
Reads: 6:39
